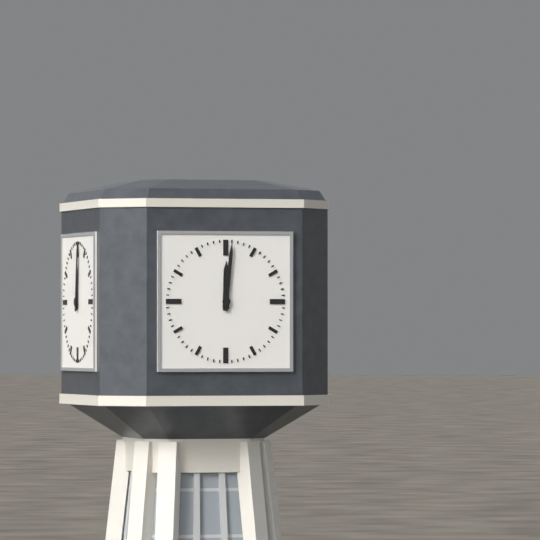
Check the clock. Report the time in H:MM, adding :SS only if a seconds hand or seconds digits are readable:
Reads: 12:01
